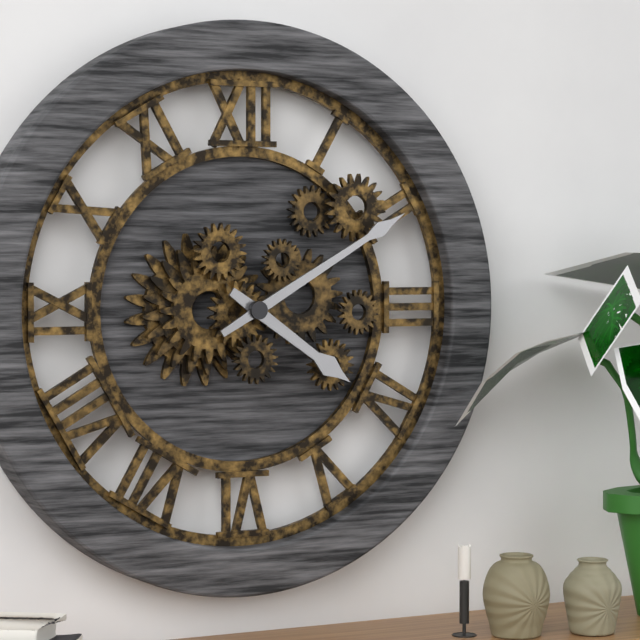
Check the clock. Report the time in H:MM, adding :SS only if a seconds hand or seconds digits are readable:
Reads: 4:10
